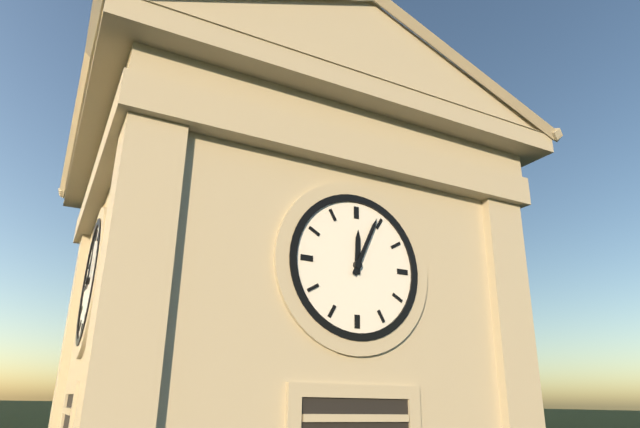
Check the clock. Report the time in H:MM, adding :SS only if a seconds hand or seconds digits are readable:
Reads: 12:04
